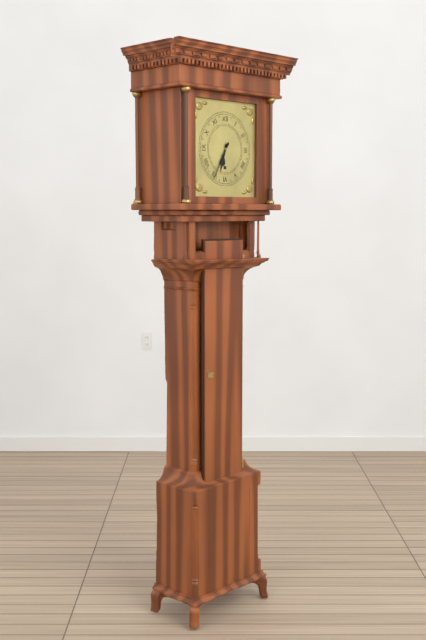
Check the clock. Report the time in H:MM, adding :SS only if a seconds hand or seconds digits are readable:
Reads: 6:35
